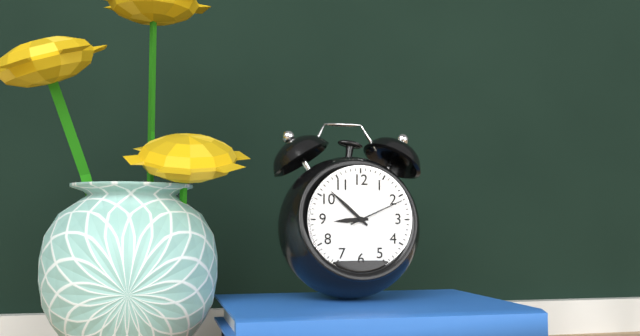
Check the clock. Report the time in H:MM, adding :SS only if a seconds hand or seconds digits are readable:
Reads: 8:52:11
